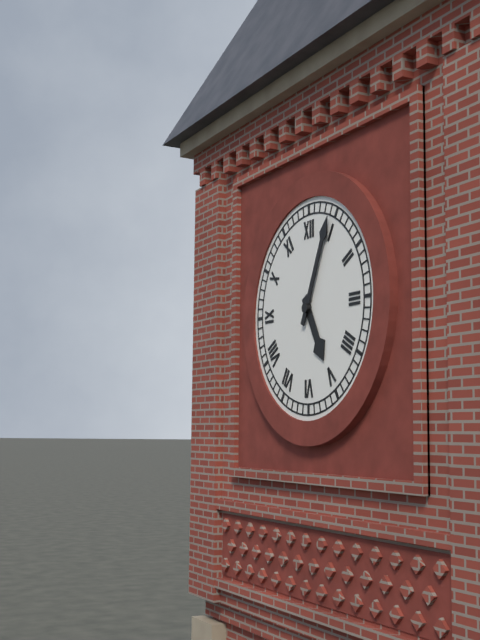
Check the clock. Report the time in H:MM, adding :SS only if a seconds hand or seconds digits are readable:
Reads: 5:04
